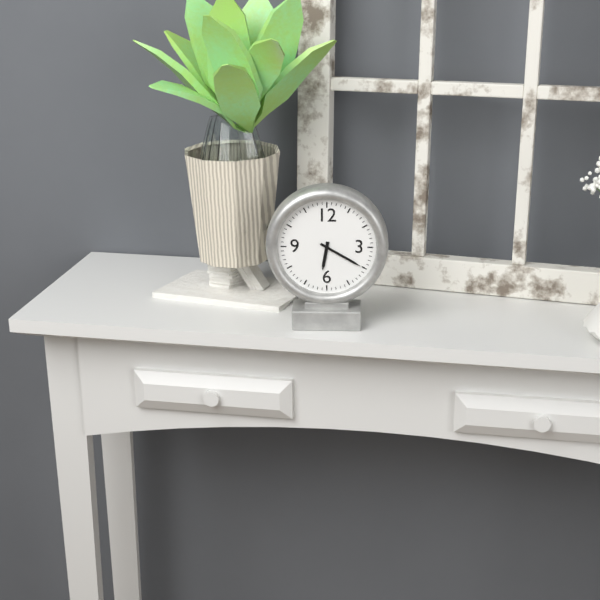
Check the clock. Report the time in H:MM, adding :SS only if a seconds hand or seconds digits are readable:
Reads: 6:20
